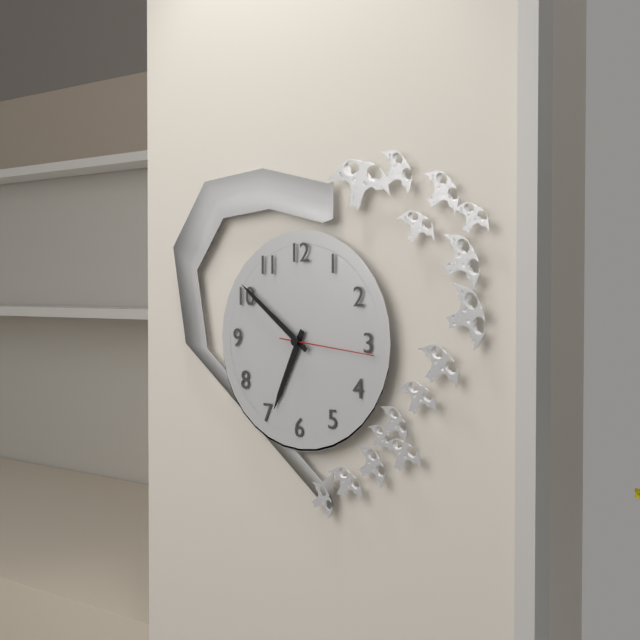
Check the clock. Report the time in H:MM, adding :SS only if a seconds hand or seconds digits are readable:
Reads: 6:51:16
